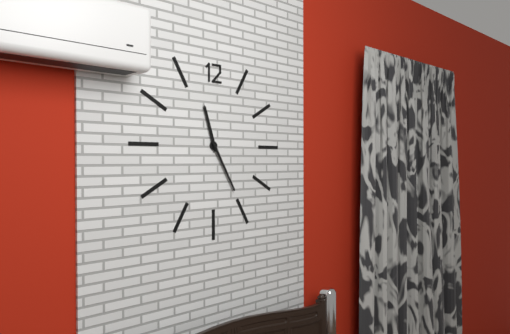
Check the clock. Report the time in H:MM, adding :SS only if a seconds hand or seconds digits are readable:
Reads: 11:25
